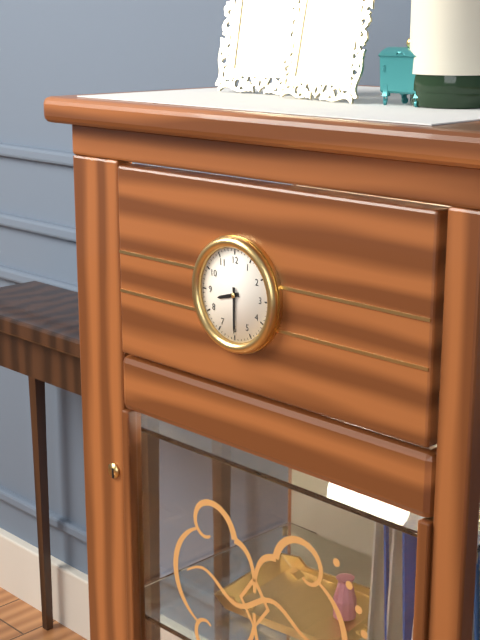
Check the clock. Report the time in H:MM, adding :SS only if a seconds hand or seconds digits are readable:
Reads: 8:30
